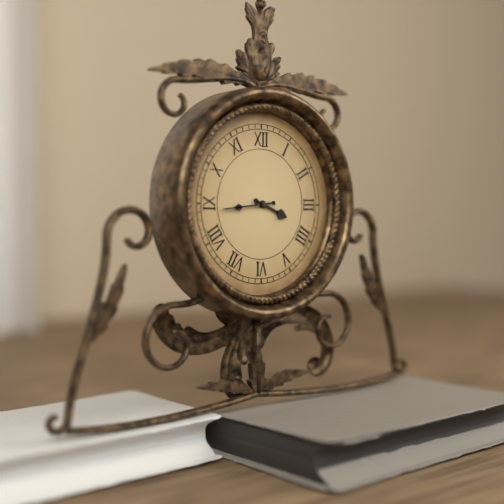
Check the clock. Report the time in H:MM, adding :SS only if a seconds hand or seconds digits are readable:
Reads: 3:44
